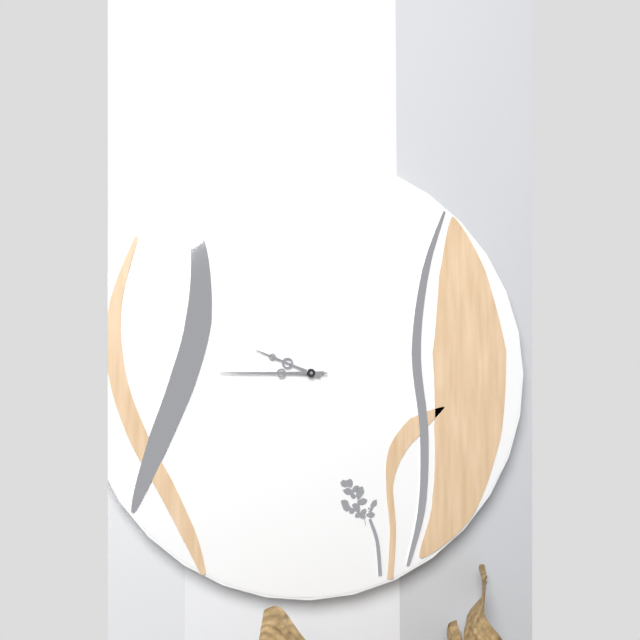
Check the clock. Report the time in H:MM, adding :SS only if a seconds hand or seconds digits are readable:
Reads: 9:45:45
